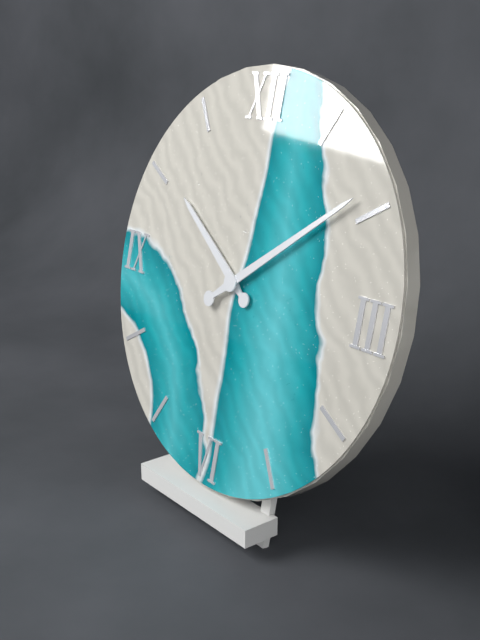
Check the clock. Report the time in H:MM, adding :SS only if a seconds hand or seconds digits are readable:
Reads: 10:09
